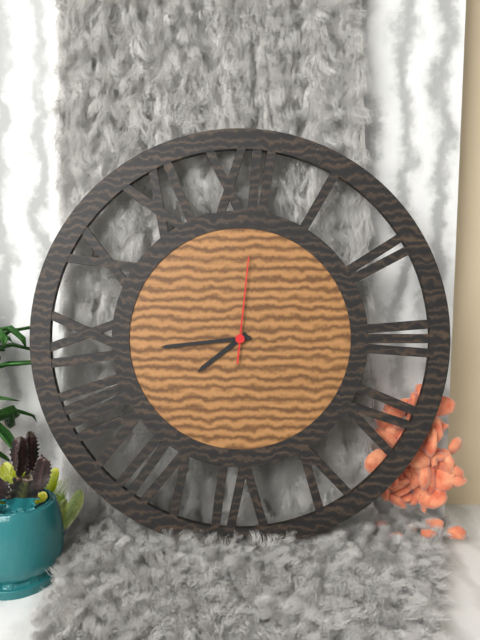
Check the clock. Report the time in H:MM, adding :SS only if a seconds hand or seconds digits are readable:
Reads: 7:44:01
